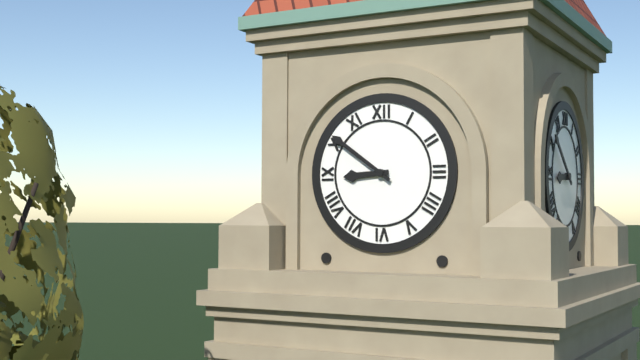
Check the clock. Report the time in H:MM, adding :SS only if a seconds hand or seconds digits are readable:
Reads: 8:51
